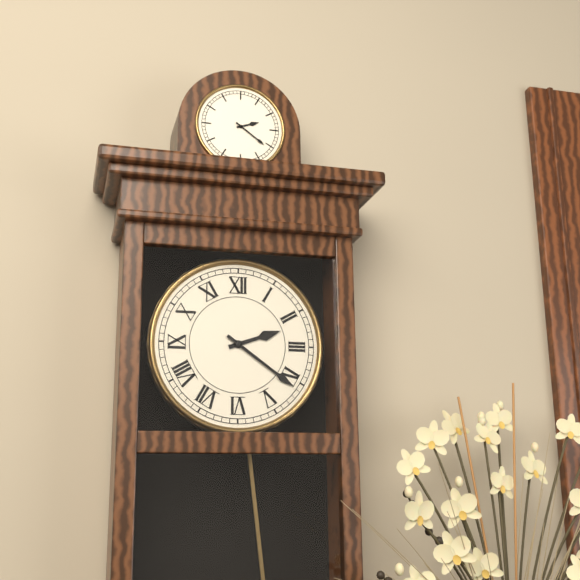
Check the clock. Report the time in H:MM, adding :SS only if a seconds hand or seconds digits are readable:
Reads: 2:21
